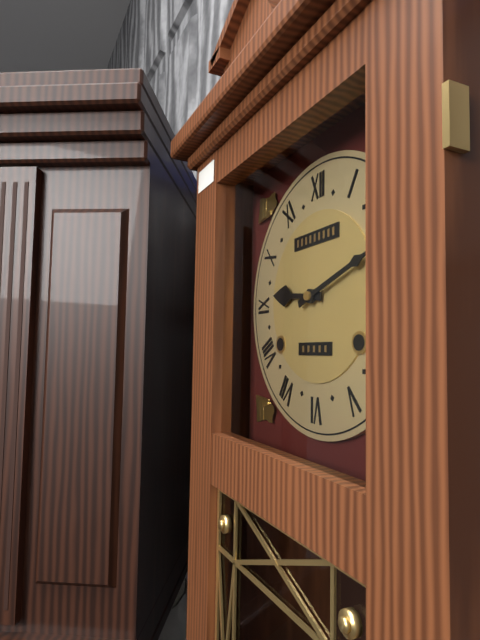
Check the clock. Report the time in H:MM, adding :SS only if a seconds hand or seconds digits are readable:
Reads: 9:12
